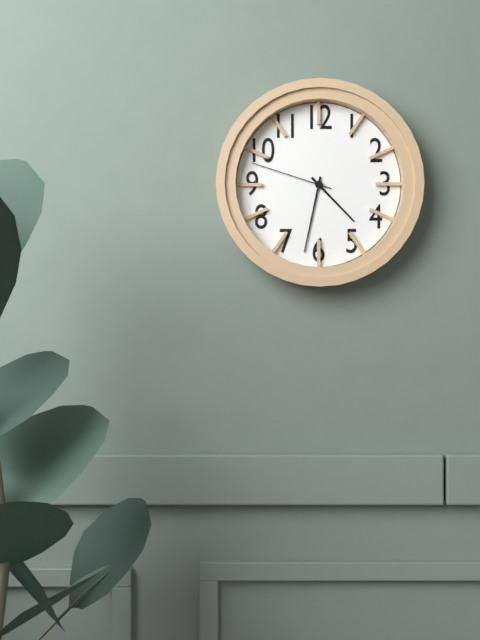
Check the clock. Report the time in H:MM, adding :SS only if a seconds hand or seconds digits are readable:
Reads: 4:32:48
